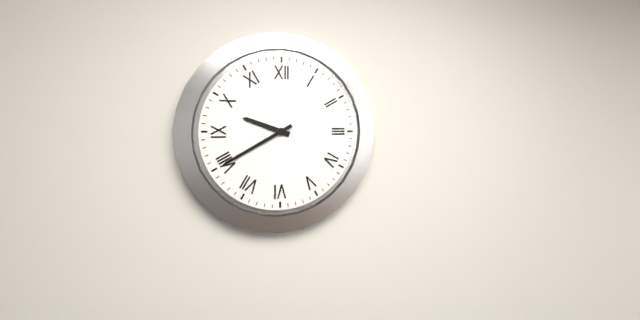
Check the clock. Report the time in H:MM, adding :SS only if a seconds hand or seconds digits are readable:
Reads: 9:40
